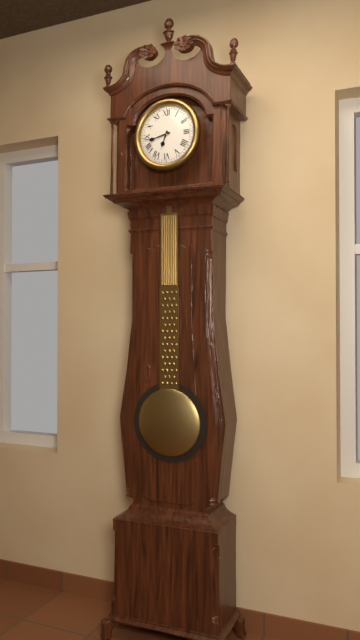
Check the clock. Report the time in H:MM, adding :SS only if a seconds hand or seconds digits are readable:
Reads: 6:43
